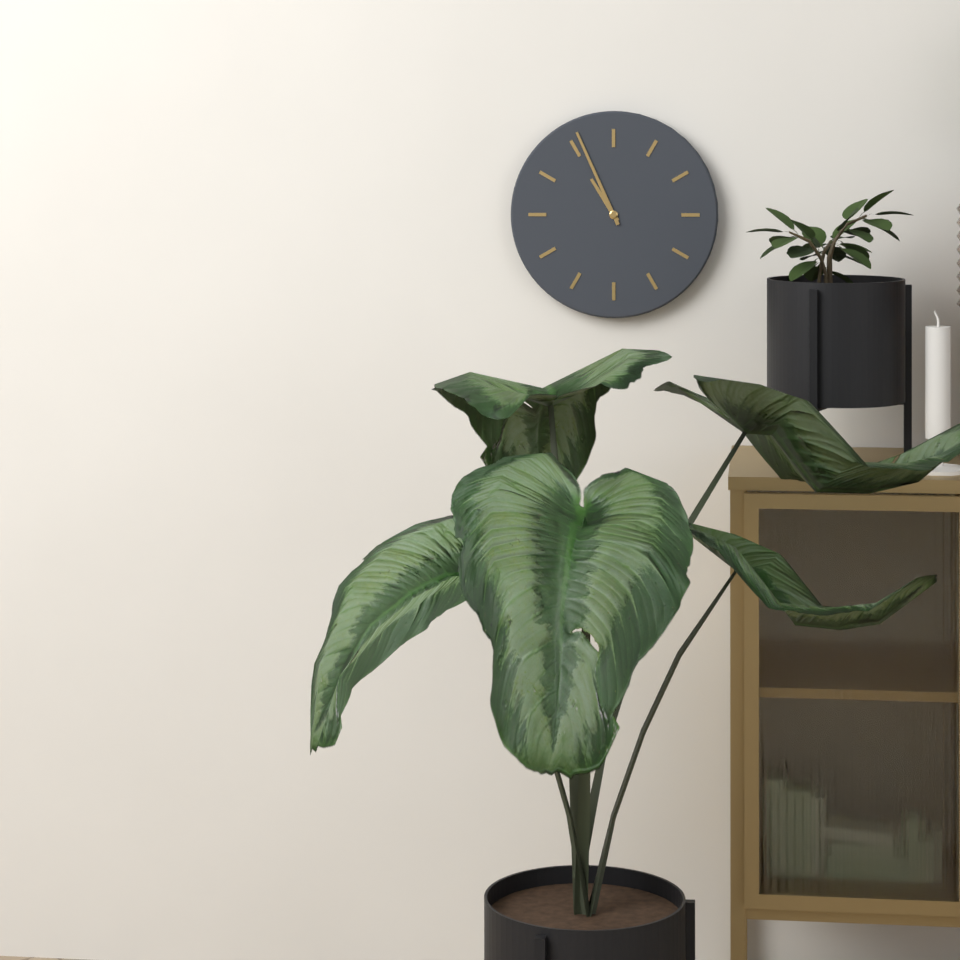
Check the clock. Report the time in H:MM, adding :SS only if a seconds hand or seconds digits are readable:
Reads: 10:56
